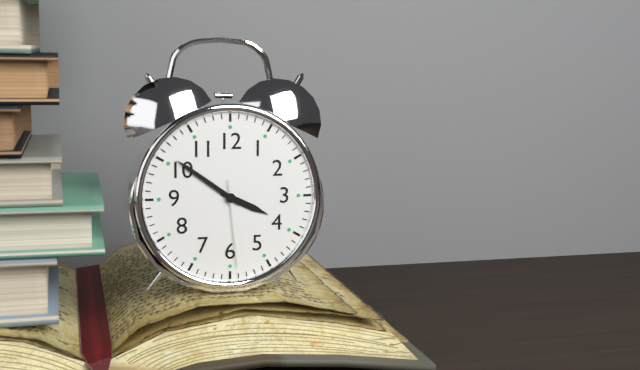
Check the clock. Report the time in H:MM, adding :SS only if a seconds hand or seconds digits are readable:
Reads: 3:51:29
